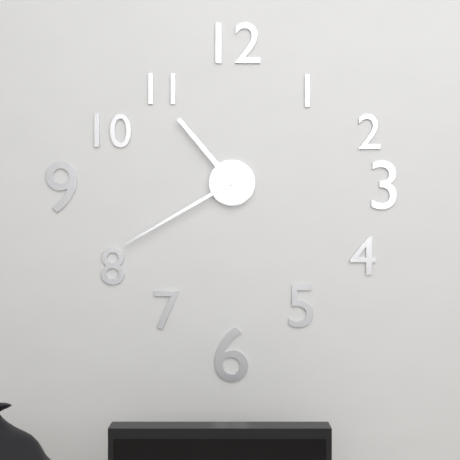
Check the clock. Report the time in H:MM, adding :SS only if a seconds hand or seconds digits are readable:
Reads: 10:40
